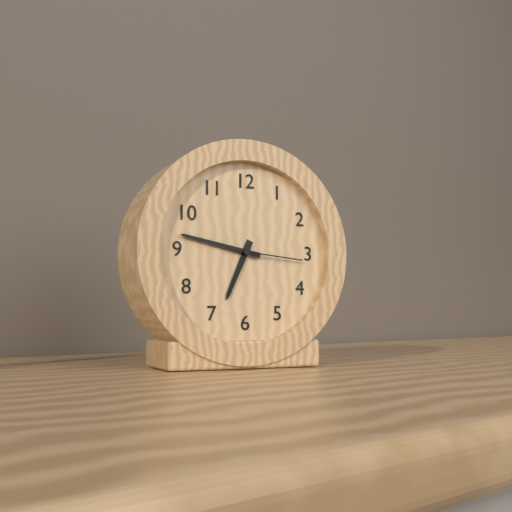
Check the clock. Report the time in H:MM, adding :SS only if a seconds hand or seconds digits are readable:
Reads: 6:47:16
